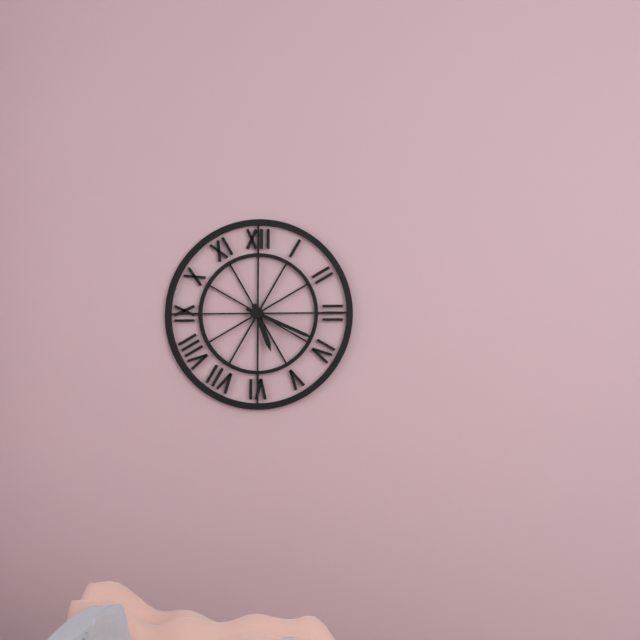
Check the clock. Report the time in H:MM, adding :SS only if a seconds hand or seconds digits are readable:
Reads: 5:19
